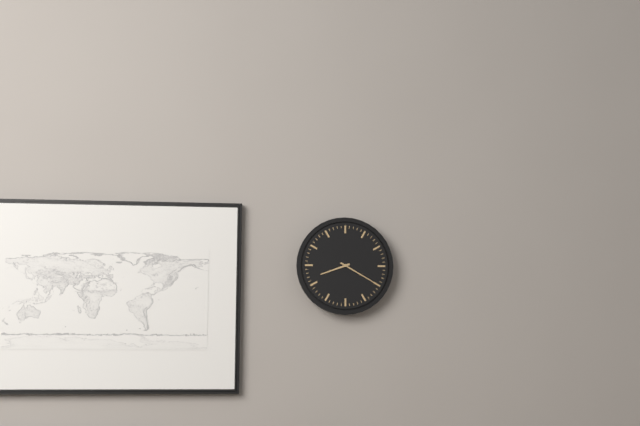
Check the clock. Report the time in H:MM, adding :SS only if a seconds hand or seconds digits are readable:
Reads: 8:20
